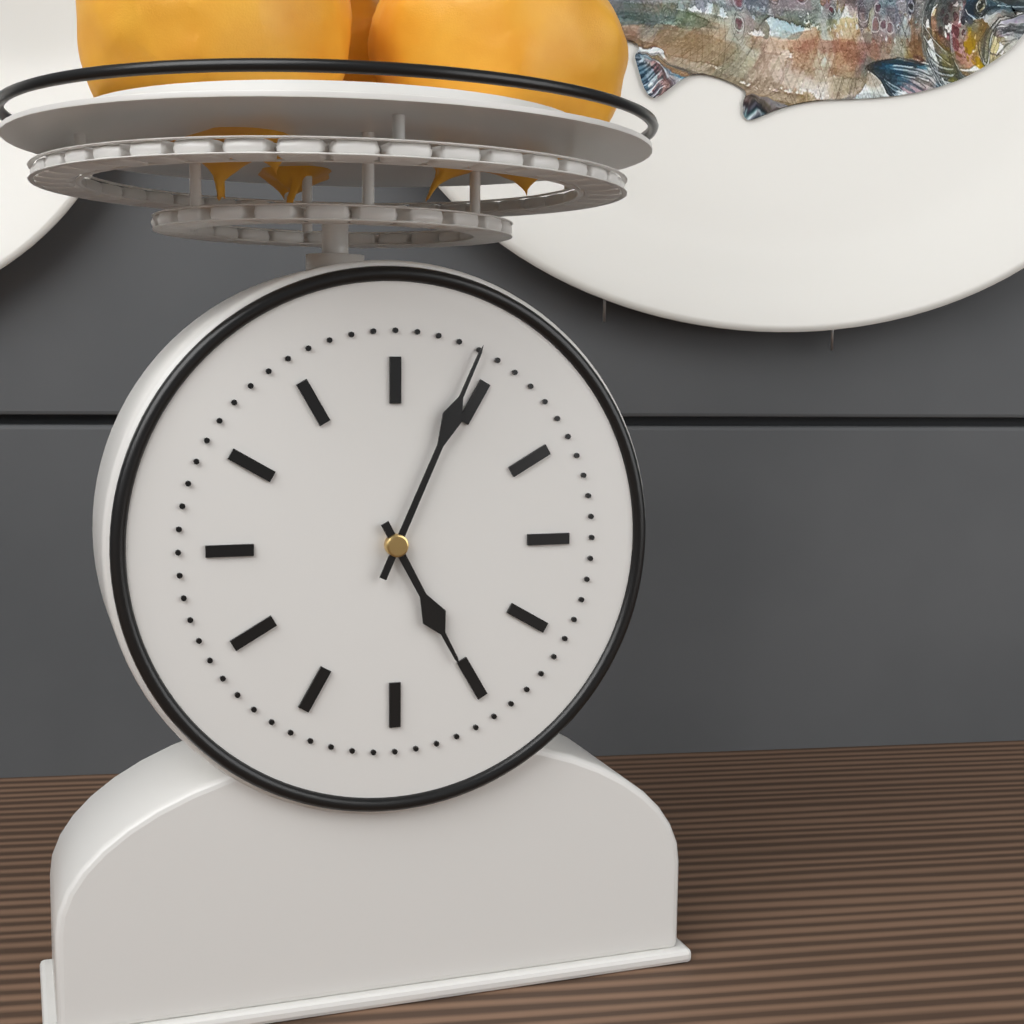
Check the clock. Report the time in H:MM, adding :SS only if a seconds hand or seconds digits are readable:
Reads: 5:04
